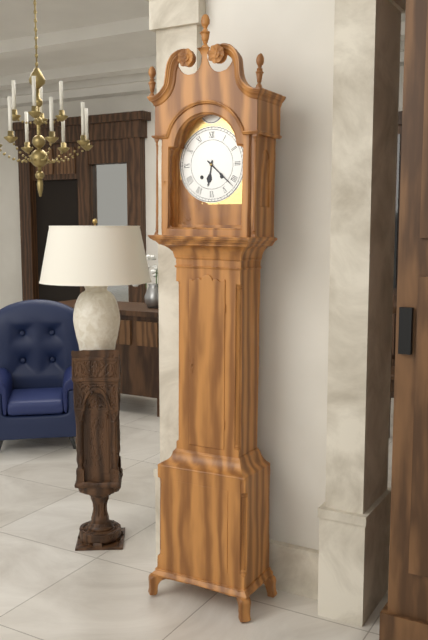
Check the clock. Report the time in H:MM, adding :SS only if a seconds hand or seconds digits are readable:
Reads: 6:22
